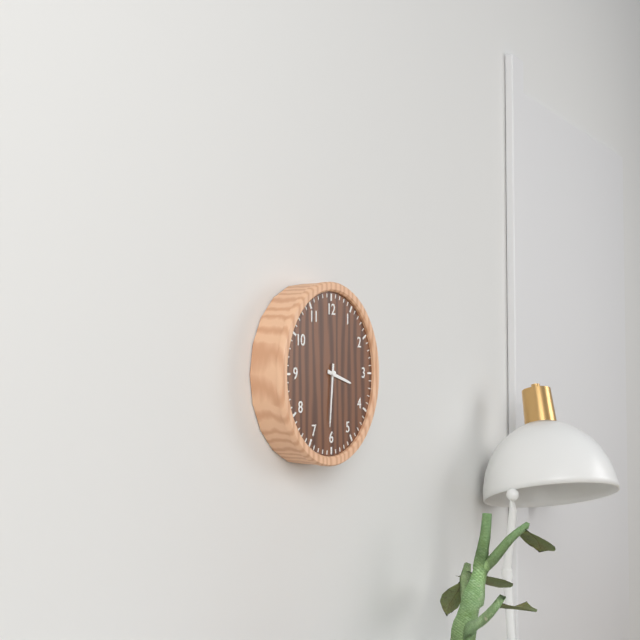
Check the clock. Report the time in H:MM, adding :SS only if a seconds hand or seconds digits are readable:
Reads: 3:31
